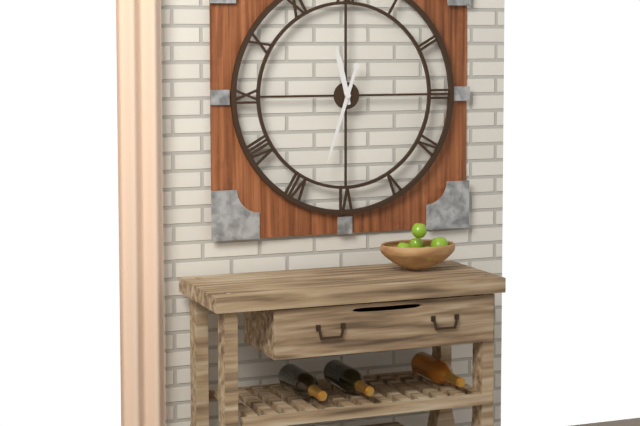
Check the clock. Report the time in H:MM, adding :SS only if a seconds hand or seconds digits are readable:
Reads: 11:33
